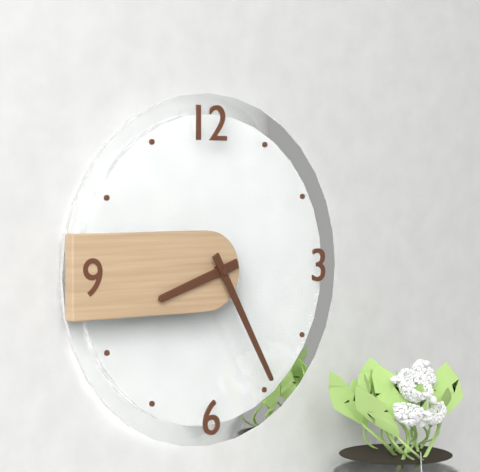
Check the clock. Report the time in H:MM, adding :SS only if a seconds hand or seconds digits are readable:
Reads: 8:25
